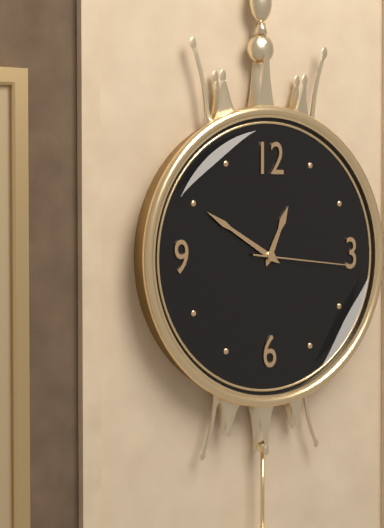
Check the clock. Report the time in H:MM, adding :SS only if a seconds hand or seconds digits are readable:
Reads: 12:50:16
